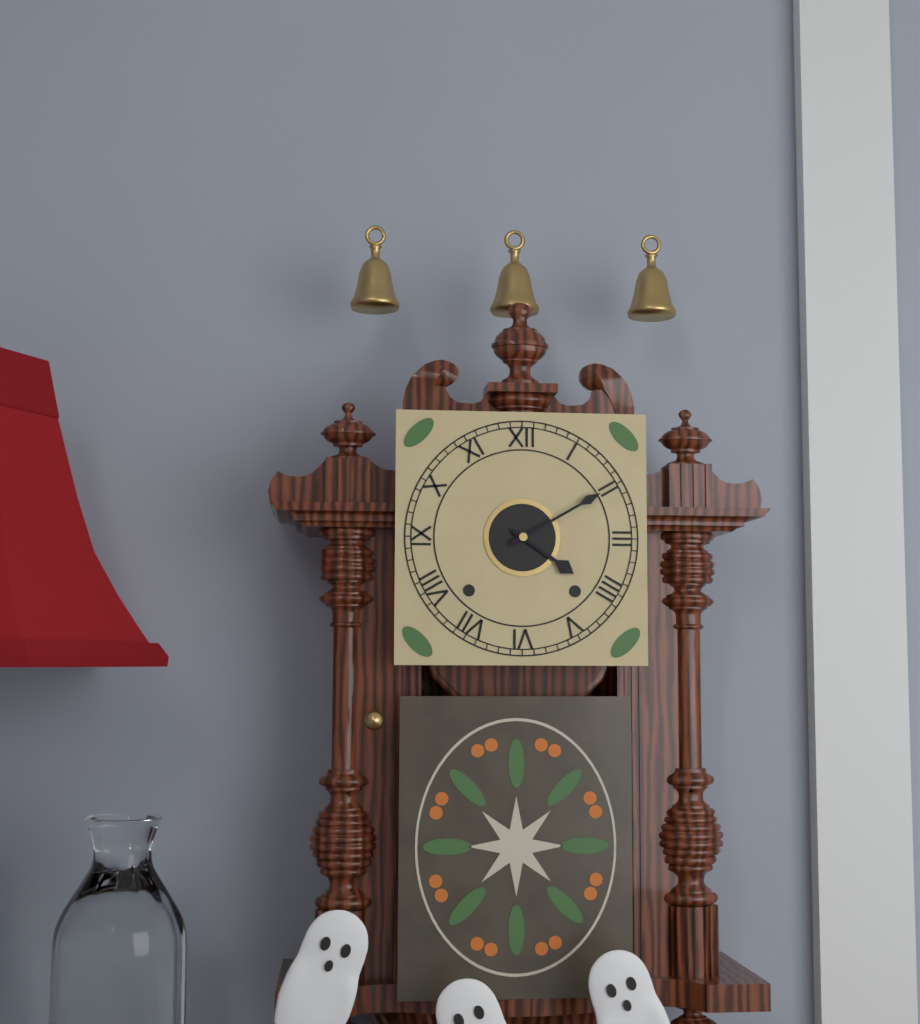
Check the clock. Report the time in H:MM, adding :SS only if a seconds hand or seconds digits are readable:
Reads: 4:10
